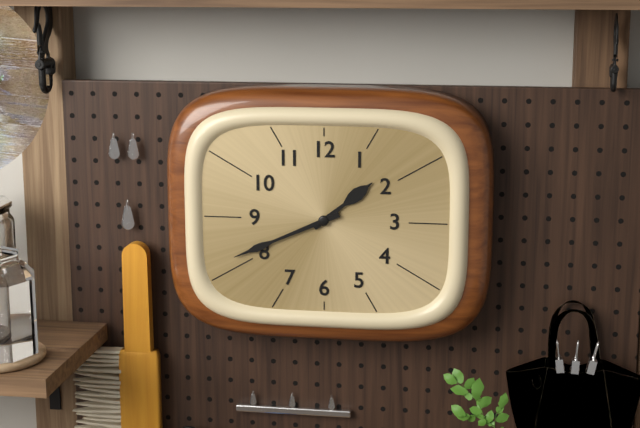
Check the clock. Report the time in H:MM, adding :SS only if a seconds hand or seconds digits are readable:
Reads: 1:41
